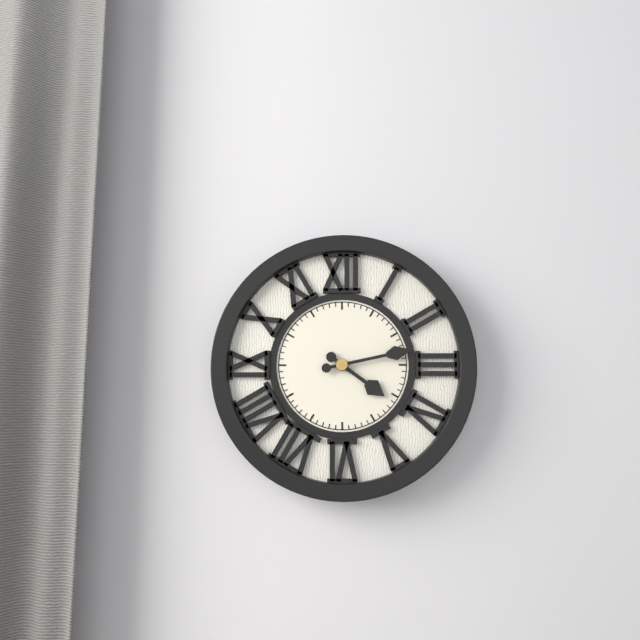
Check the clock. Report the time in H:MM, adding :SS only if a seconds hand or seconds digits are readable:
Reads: 4:13
